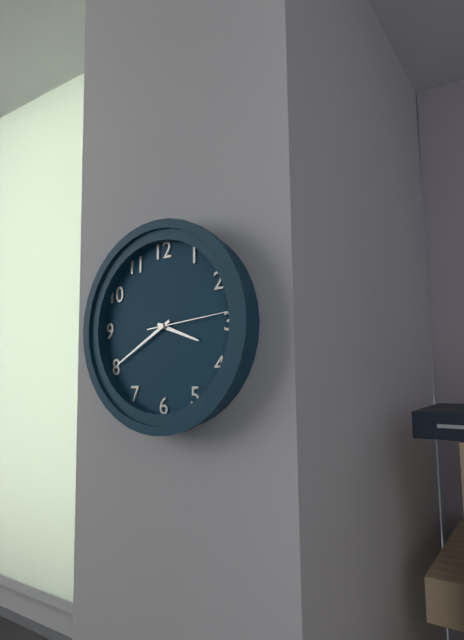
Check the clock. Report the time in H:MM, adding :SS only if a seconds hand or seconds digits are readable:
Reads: 3:40:14
